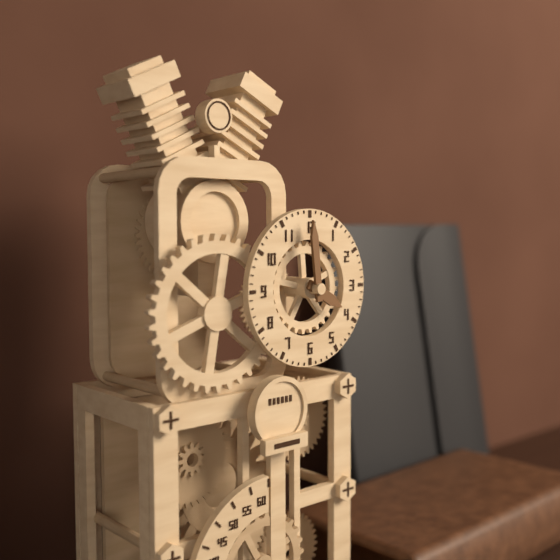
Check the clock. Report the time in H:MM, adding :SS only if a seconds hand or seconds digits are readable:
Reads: 3:59
